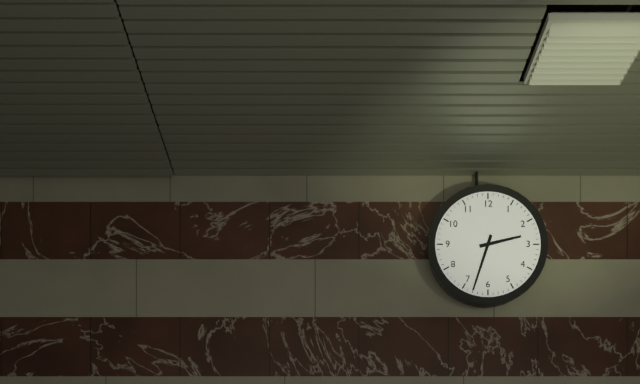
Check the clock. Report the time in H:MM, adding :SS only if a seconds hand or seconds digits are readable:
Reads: 2:33
